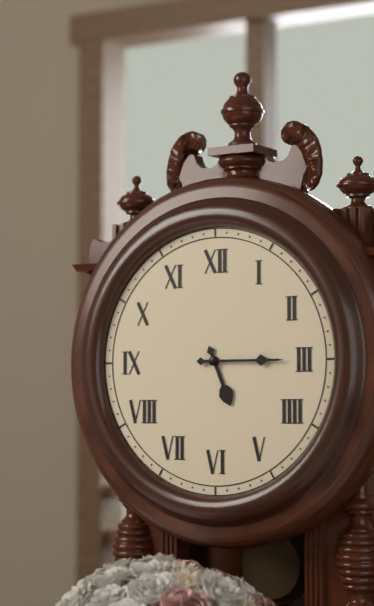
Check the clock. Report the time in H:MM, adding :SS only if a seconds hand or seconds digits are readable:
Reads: 5:15
